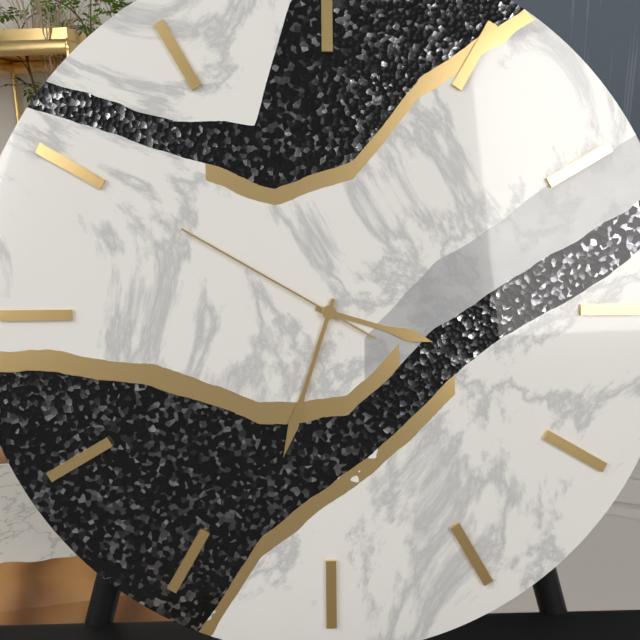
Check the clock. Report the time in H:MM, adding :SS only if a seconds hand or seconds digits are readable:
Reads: 3:33:50
